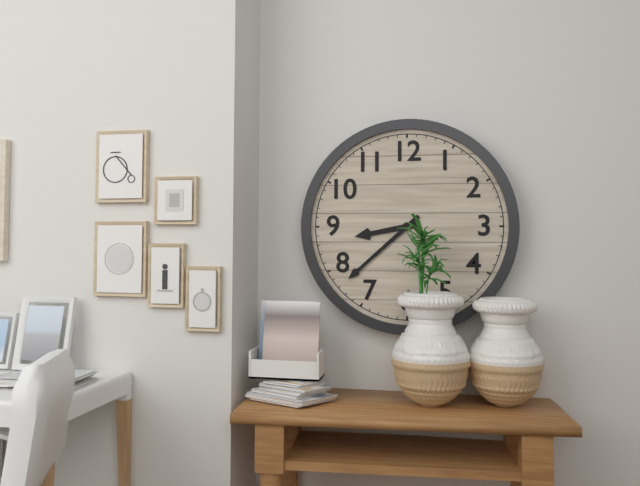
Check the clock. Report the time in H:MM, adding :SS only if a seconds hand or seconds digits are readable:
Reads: 8:38
